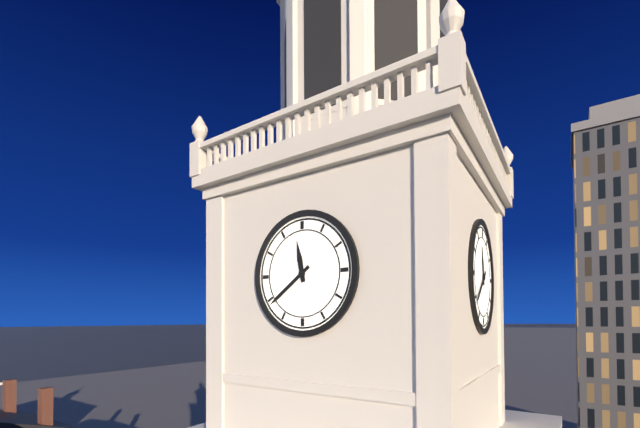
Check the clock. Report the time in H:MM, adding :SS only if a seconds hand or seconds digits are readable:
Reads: 11:39
